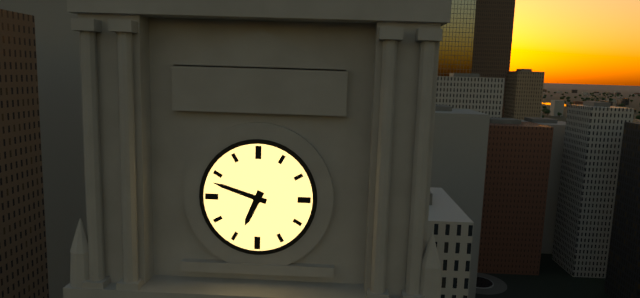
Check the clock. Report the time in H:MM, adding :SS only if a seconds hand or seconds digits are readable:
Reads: 6:48
